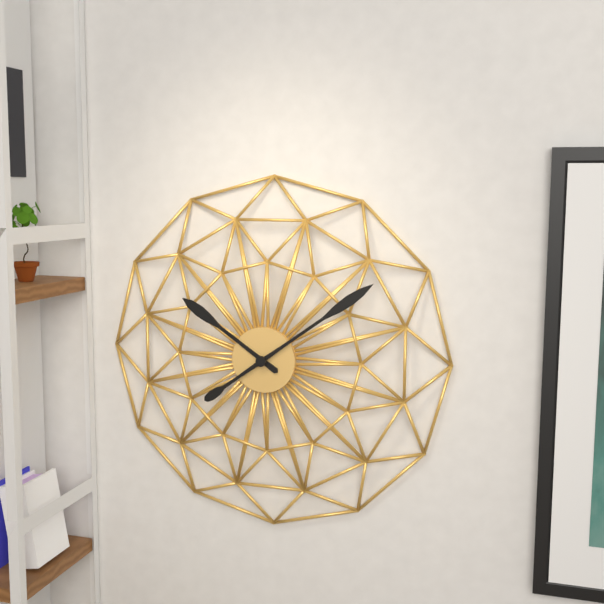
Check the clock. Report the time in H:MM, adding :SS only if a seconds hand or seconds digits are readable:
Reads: 10:09
